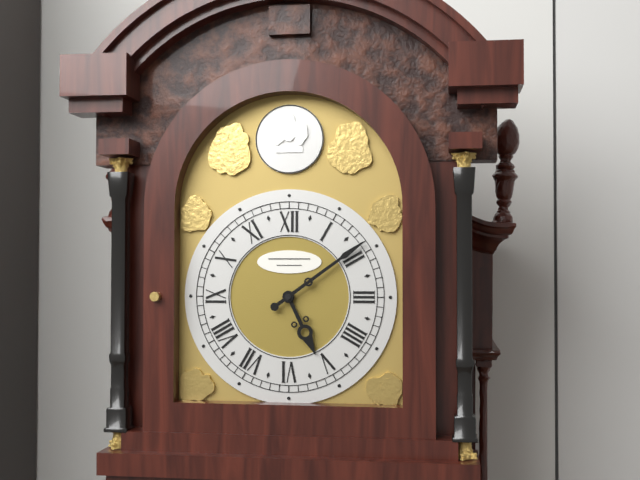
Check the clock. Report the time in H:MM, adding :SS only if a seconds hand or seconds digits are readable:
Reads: 5:09
